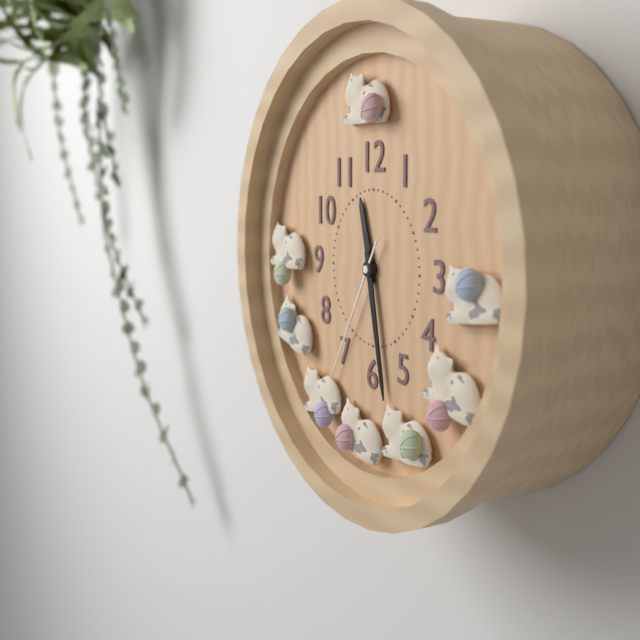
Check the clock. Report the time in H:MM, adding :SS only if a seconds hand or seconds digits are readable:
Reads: 11:28:35
